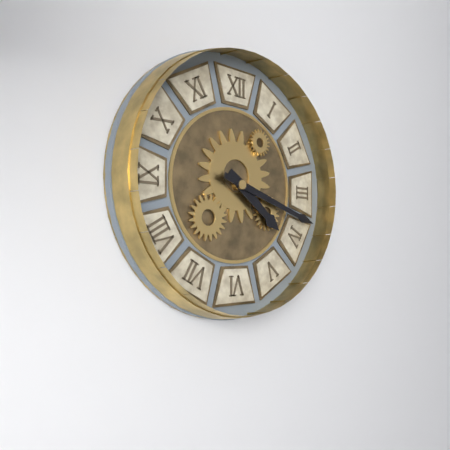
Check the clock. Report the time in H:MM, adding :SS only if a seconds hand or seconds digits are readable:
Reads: 4:18
